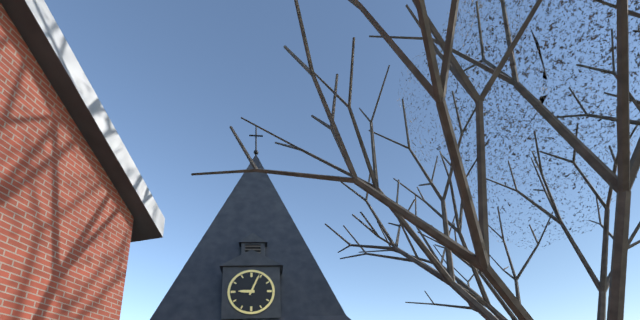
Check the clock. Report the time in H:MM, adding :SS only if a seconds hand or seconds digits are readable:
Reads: 9:04
